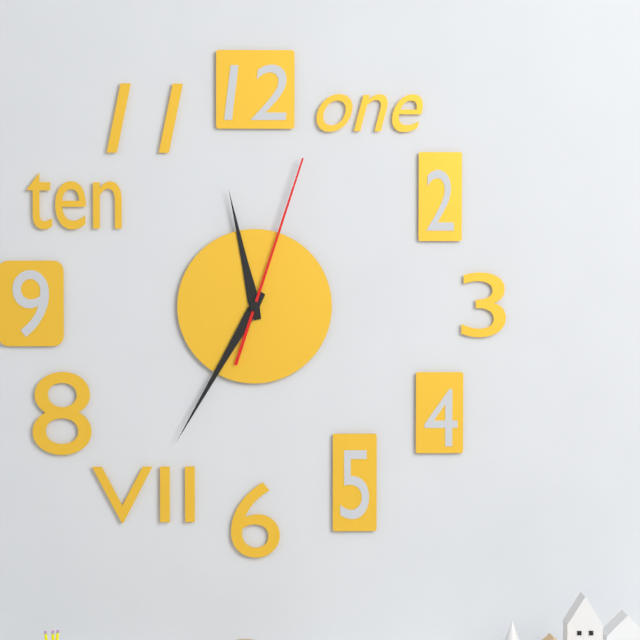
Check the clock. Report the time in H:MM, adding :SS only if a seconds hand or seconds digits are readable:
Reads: 11:35:03
